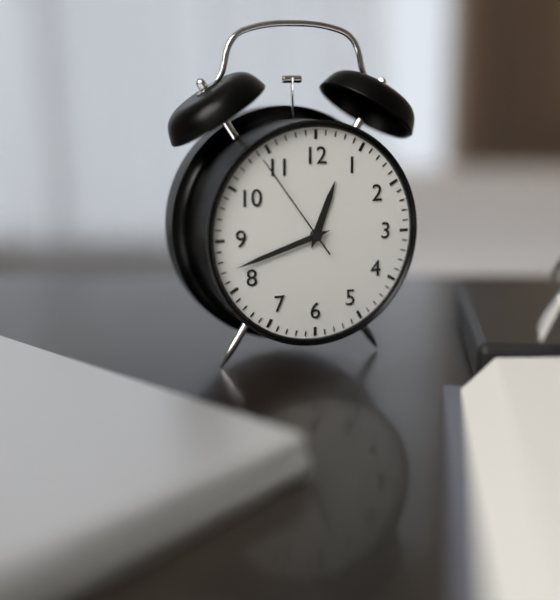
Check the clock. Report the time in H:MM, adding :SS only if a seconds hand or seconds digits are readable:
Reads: 12:42:54
